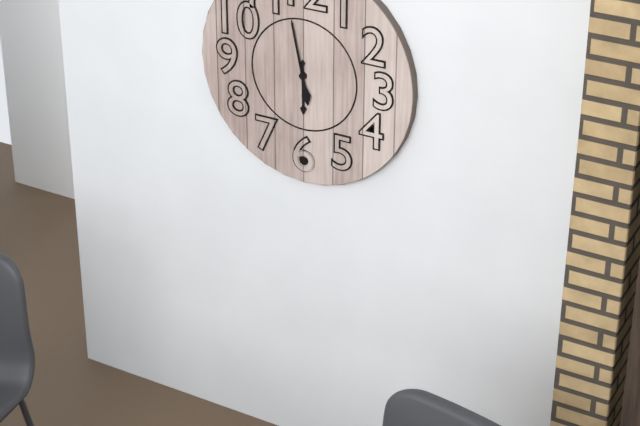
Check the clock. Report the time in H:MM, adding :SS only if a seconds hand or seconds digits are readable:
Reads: 5:58
